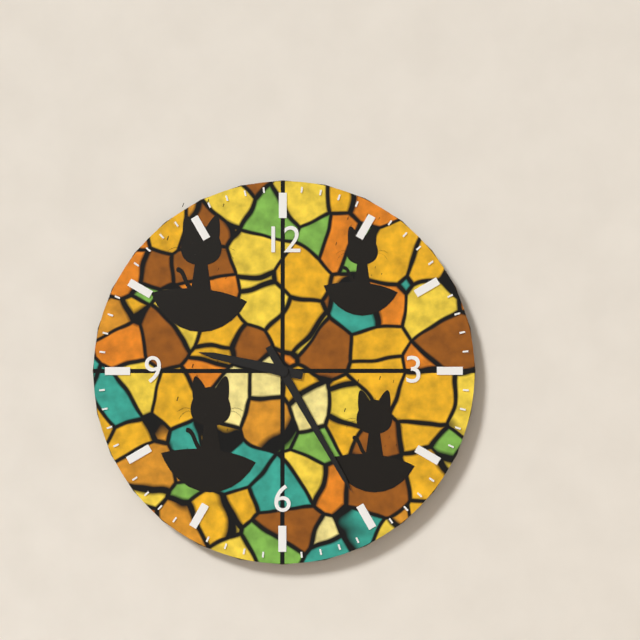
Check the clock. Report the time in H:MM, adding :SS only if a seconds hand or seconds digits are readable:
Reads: 9:25
